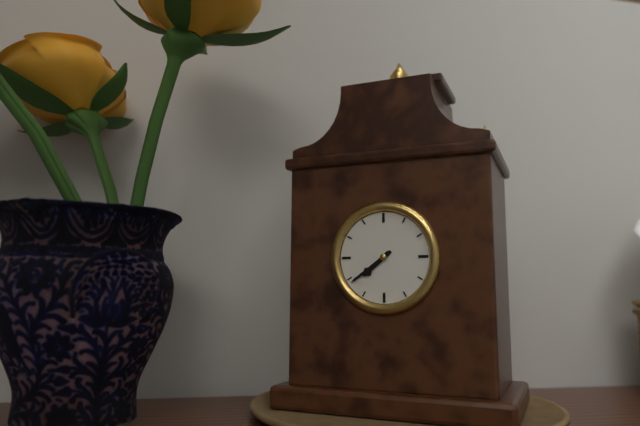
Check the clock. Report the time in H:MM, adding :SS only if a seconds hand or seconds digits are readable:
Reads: 7:39
